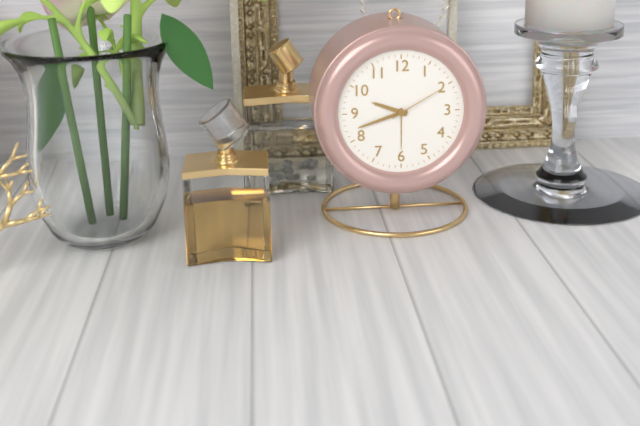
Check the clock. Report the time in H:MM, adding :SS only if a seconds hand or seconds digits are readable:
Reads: 9:42:10
